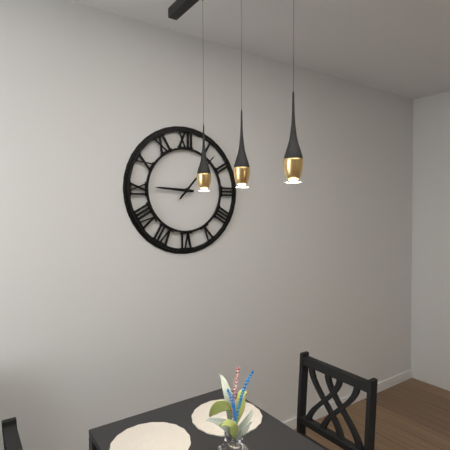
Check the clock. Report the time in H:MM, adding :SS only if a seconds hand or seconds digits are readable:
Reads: 9:07
